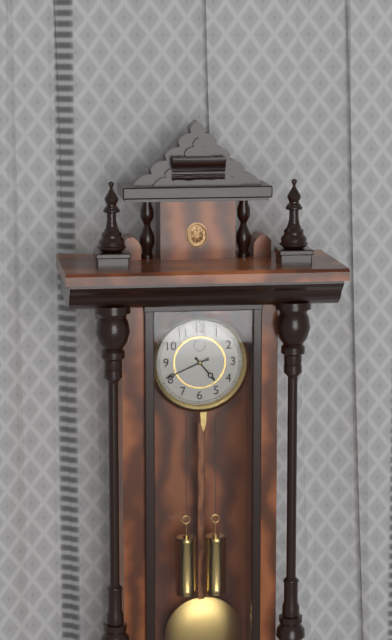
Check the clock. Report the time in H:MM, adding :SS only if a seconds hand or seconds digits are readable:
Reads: 4:41
